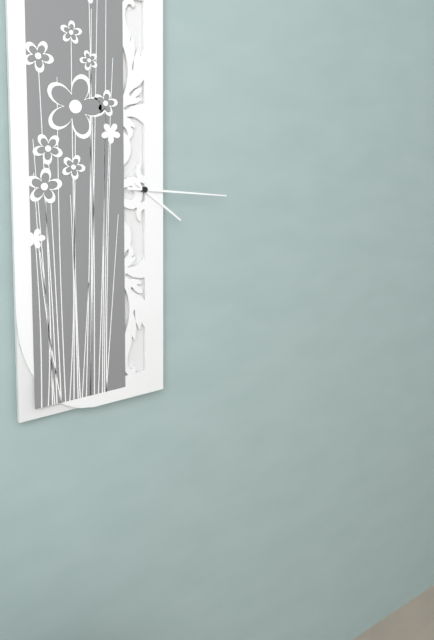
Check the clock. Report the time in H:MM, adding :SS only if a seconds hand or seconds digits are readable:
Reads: 4:16
